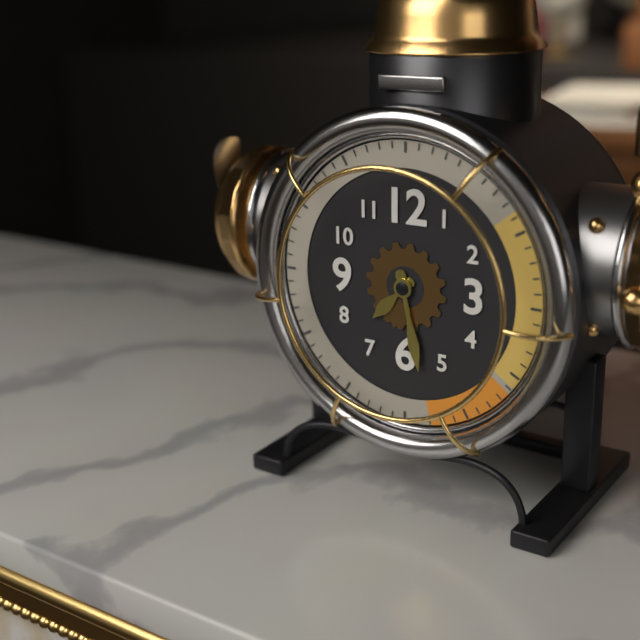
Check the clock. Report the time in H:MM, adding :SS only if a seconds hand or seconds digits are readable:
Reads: 7:28
